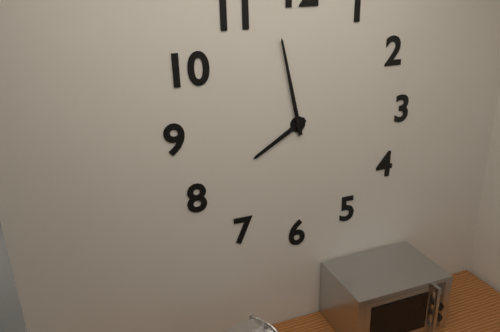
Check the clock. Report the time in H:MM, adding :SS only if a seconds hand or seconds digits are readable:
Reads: 7:58
